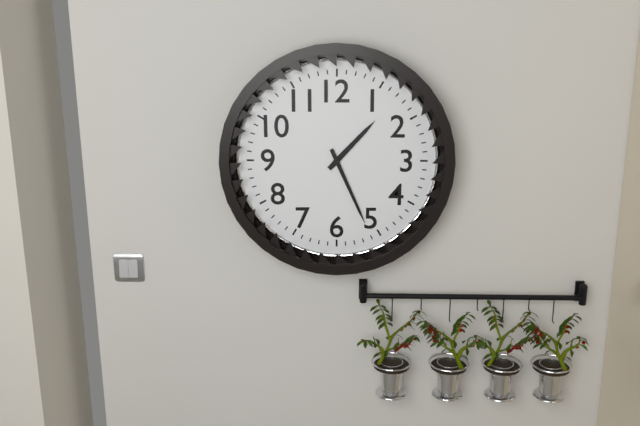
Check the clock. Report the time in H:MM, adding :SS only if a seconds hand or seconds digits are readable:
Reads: 1:26
